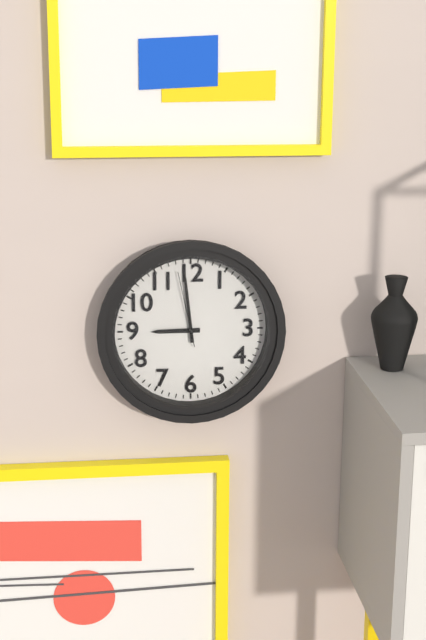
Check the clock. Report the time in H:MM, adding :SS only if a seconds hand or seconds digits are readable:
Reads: 8:59:58
